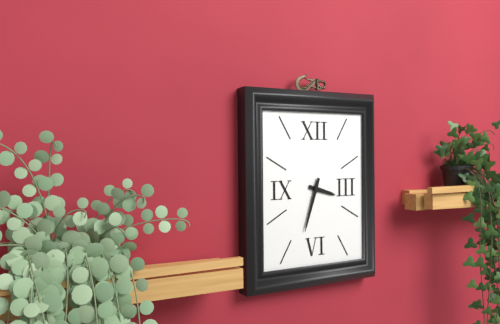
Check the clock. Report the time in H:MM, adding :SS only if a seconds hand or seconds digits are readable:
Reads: 3:33
